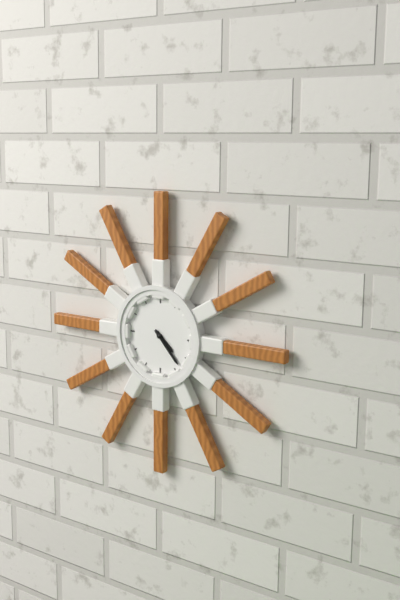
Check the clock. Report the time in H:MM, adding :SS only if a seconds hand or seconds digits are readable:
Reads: 4:23
